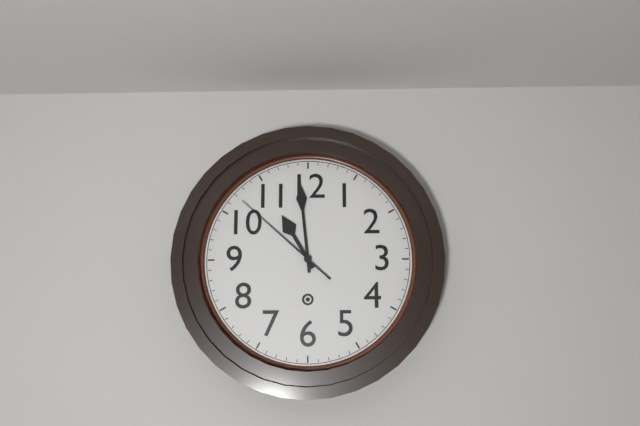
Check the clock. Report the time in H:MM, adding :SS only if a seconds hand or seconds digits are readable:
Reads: 10:59:52
